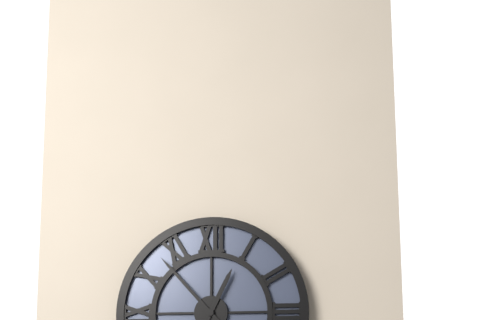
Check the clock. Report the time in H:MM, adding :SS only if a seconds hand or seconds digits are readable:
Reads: 12:53
